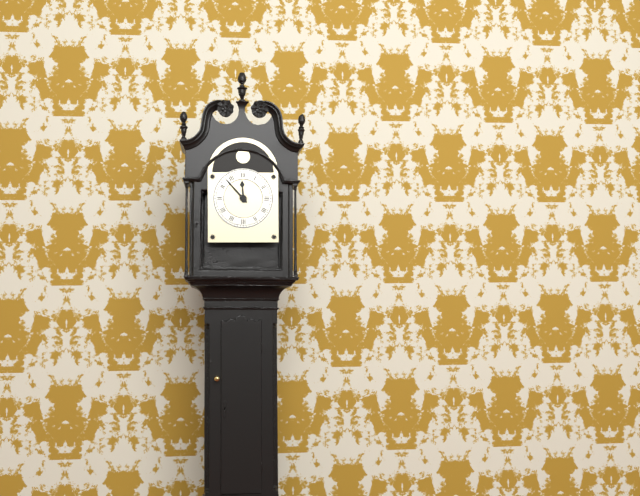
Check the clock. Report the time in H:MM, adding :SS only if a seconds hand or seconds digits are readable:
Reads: 11:53
